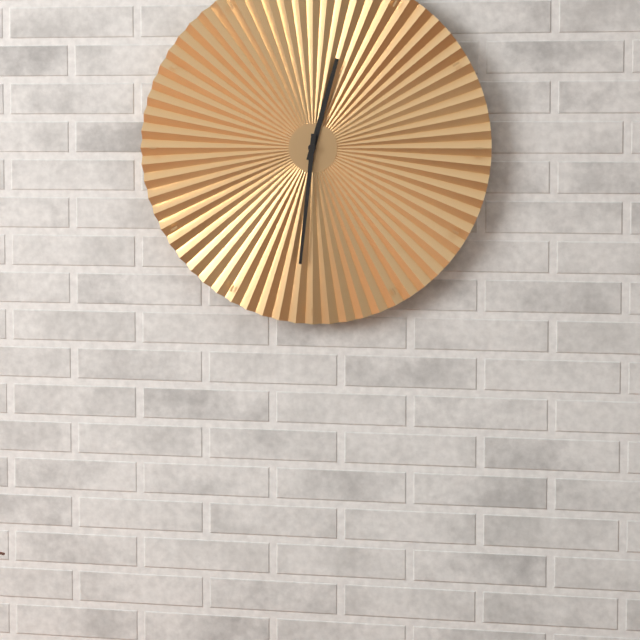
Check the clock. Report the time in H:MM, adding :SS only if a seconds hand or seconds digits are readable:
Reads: 12:31
